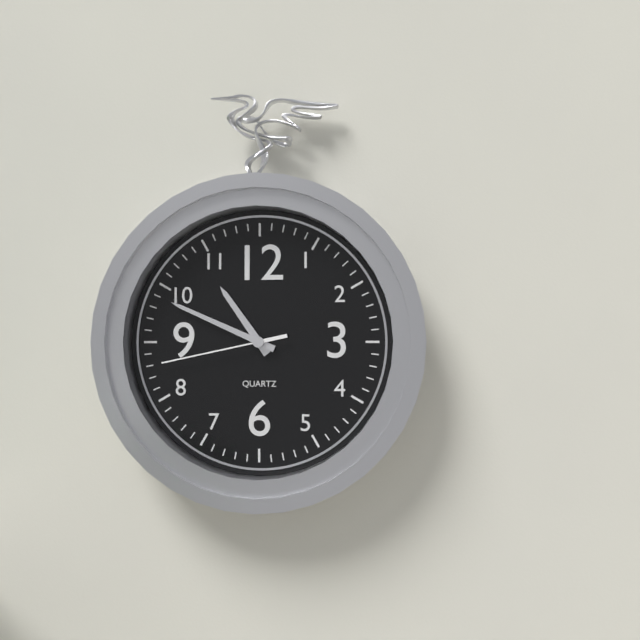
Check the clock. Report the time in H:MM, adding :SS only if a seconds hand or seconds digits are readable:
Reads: 10:49:43
